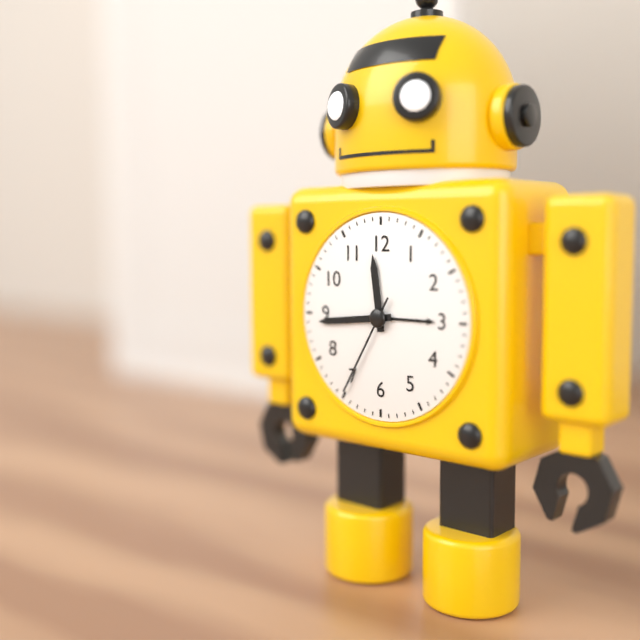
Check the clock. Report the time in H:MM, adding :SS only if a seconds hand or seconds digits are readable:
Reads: 11:44:35
